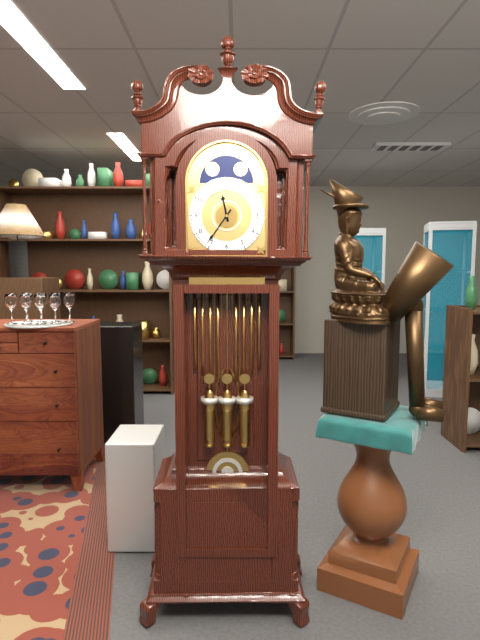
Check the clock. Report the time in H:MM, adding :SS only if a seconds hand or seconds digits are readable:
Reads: 11:36
